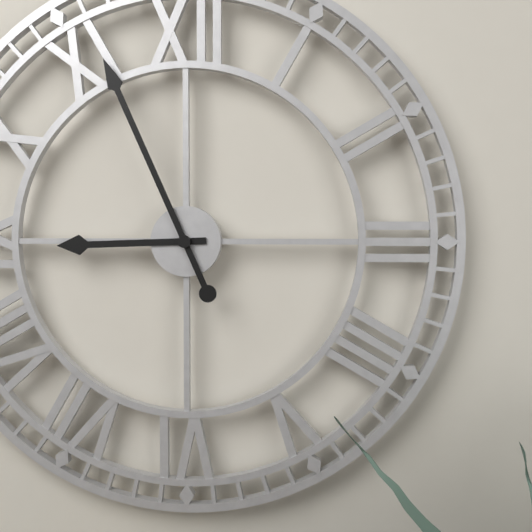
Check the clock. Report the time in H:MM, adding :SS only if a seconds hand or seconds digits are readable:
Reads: 8:56
